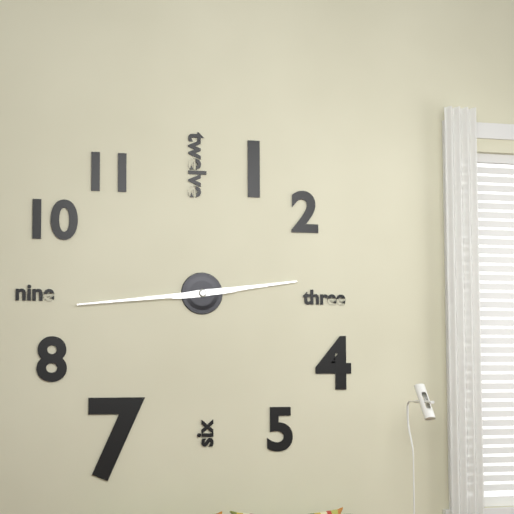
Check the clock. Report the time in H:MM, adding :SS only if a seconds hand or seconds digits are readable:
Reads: 2:44
